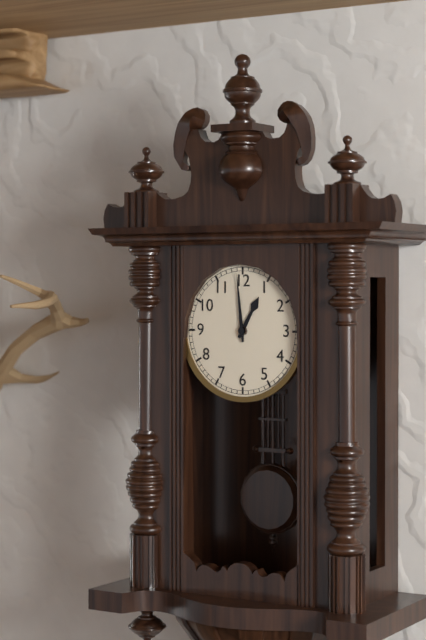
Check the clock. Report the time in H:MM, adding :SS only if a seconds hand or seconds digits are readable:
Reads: 12:59
